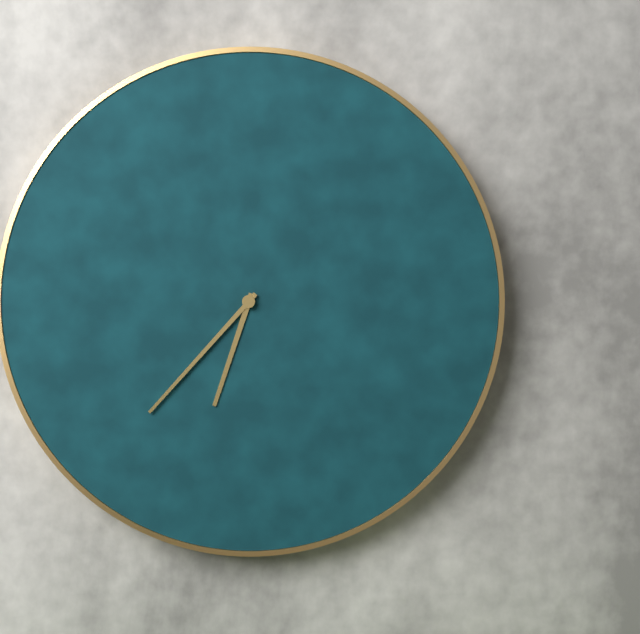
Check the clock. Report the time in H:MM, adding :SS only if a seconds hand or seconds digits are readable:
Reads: 6:37
